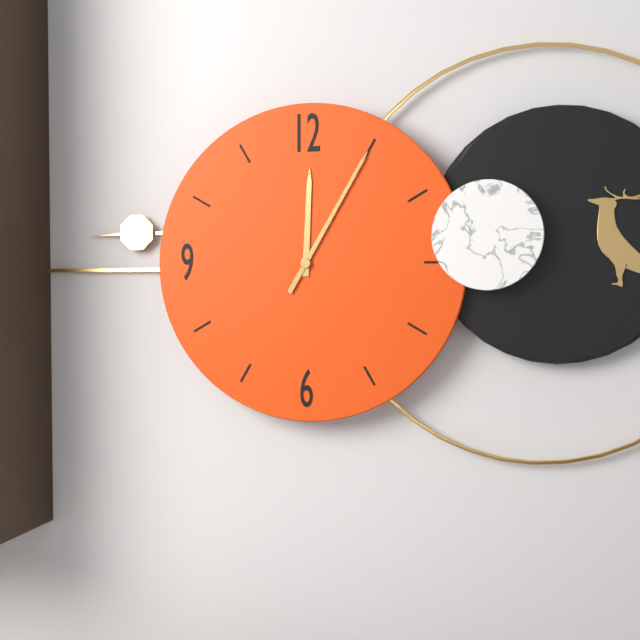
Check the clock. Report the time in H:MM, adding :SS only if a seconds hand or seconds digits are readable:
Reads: 12:05
